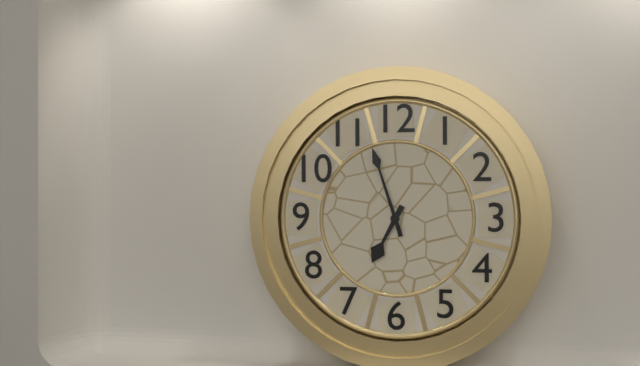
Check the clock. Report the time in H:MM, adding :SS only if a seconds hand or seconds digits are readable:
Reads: 6:57
